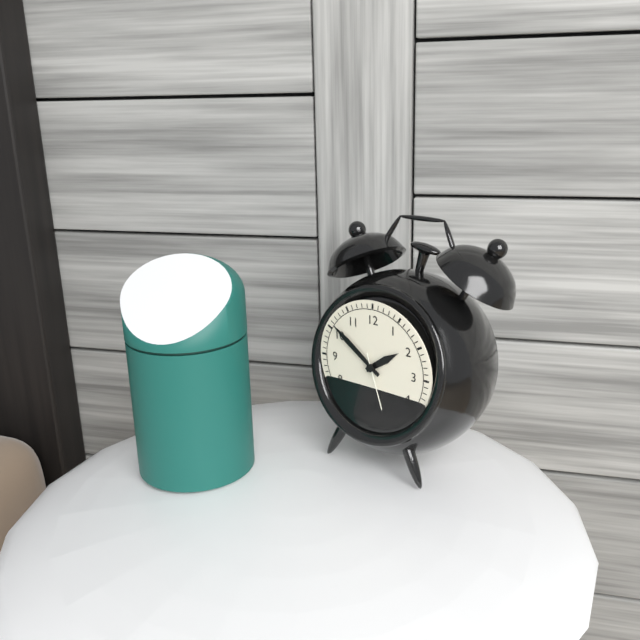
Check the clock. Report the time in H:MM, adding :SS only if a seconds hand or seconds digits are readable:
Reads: 1:51:27
